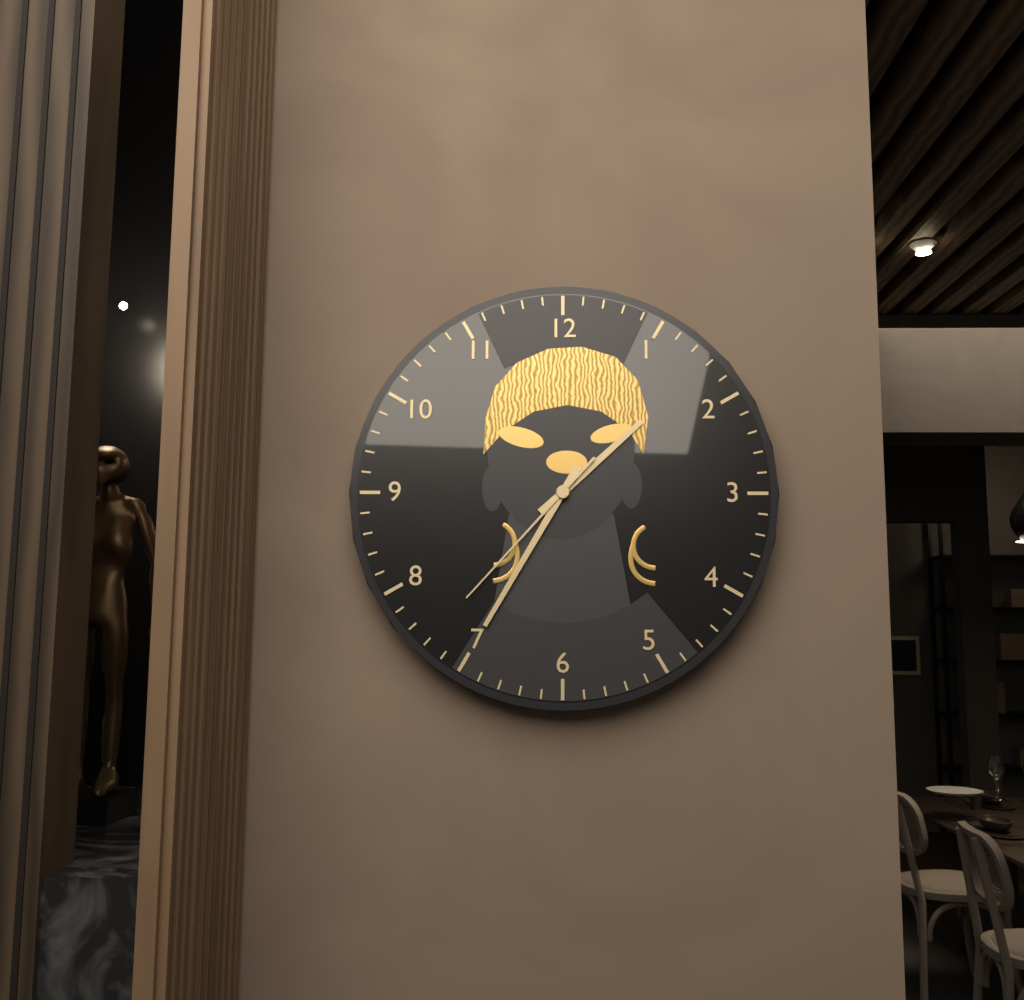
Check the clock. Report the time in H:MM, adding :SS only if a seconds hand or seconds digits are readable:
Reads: 1:35:37
